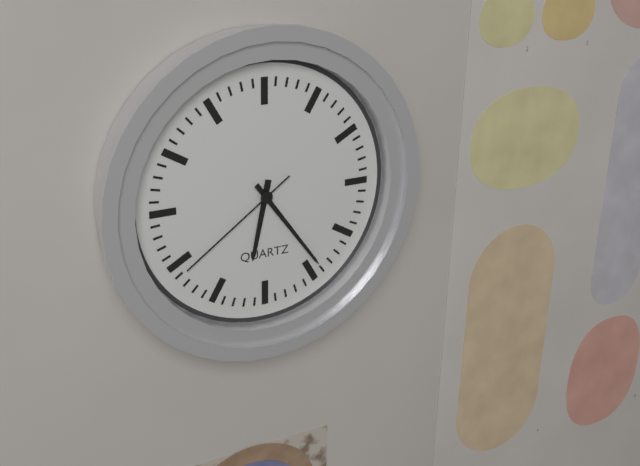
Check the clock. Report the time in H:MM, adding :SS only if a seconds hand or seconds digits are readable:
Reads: 6:24:39
